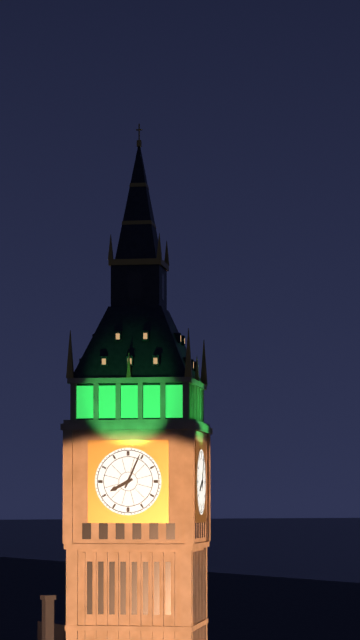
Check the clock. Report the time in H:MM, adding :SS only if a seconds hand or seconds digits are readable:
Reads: 8:04
